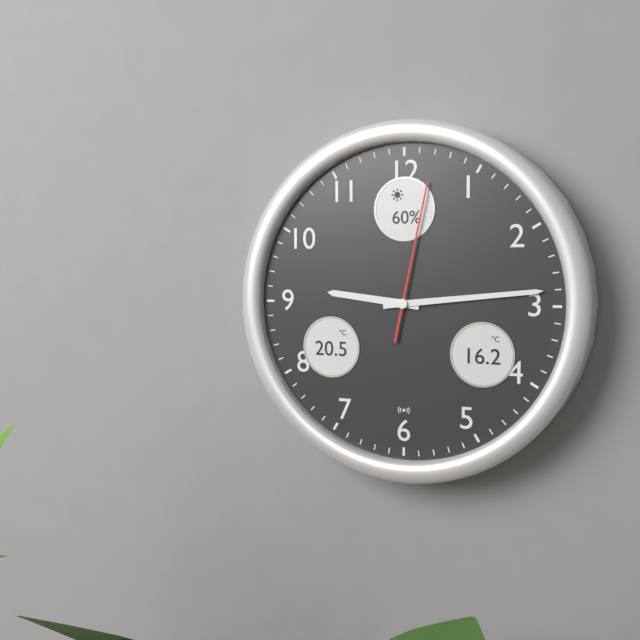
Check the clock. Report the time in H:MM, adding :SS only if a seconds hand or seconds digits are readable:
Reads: 9:14:02
